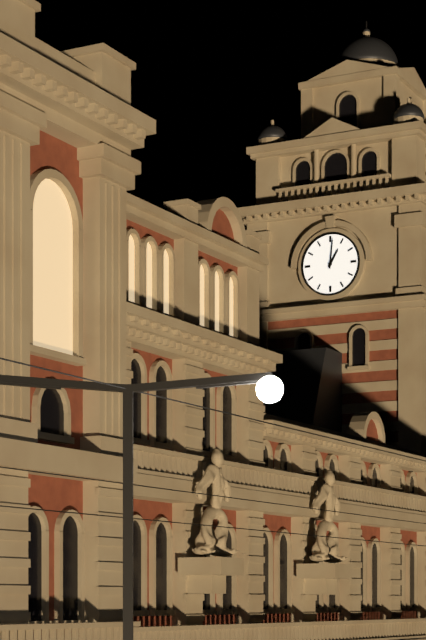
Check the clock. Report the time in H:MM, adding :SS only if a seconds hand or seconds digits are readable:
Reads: 1:01
